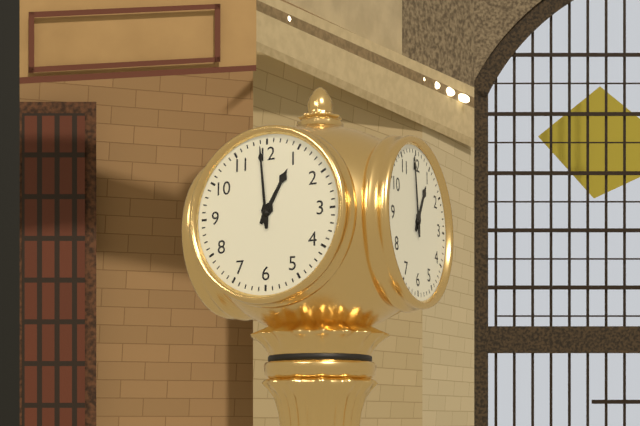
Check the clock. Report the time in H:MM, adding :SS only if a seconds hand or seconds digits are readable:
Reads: 12:59
